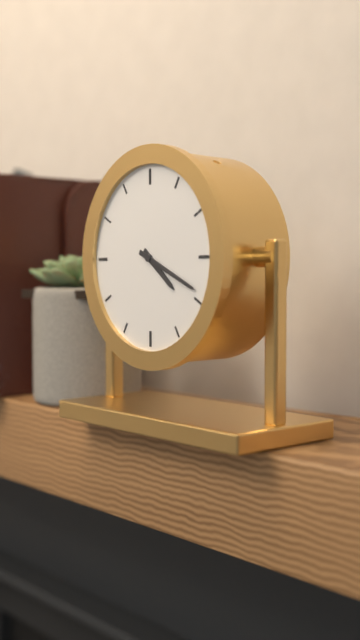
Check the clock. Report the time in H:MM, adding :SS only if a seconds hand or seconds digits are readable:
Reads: 4:19
